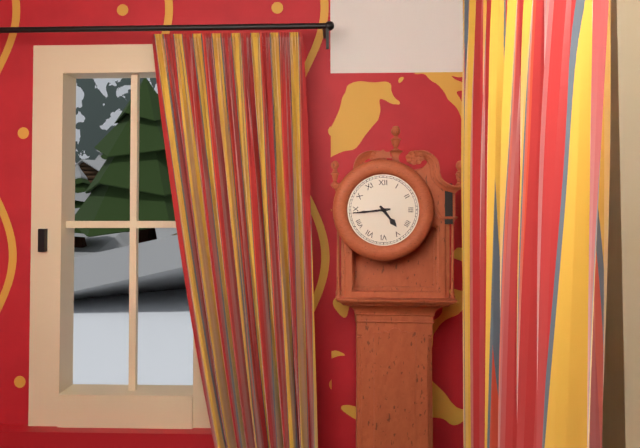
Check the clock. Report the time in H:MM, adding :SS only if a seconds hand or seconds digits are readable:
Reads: 4:44
